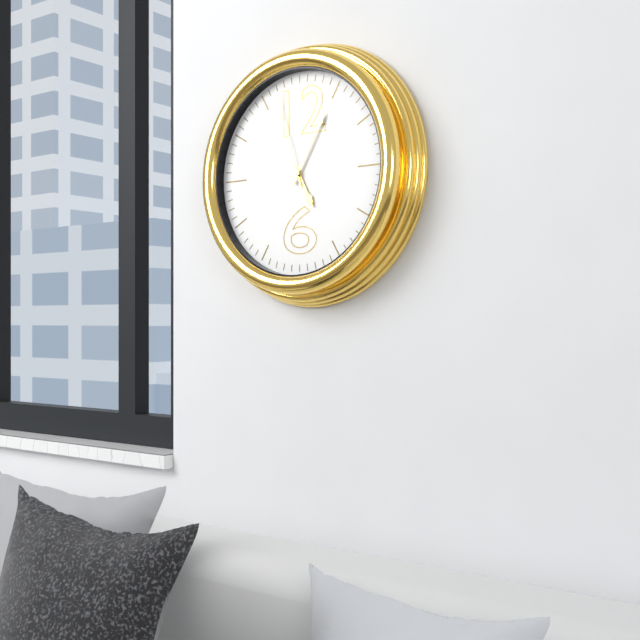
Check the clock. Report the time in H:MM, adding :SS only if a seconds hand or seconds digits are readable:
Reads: 5:05:57
